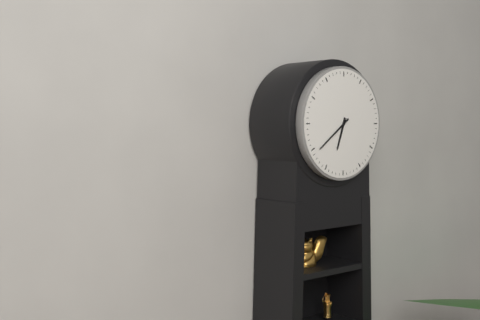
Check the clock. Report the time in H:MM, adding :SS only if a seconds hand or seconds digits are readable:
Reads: 6:39
